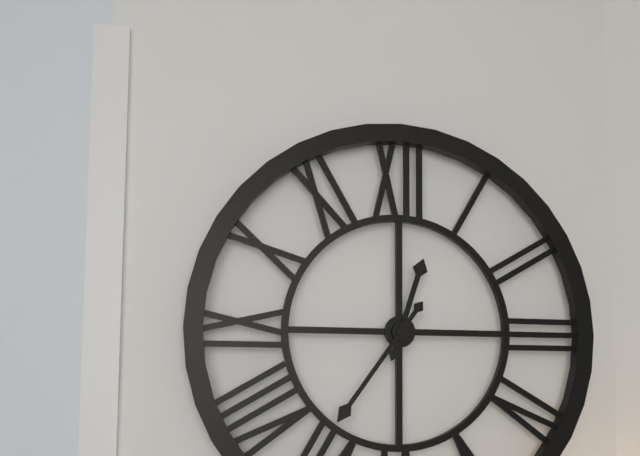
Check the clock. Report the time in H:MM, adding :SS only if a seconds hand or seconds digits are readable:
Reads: 12:36
